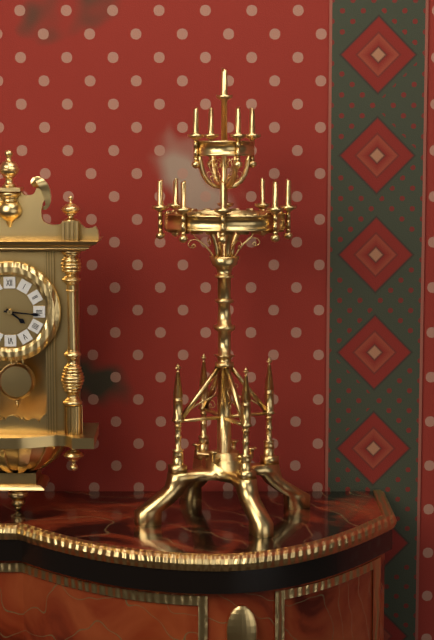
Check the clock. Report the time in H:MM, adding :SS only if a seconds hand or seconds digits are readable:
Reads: 4:16
